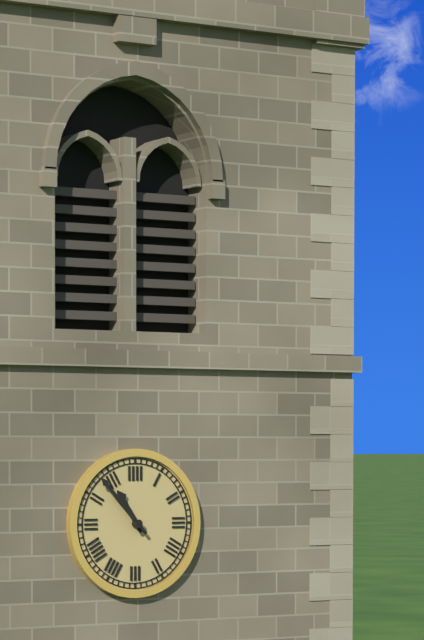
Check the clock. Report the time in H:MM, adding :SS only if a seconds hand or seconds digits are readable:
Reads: 10:53
